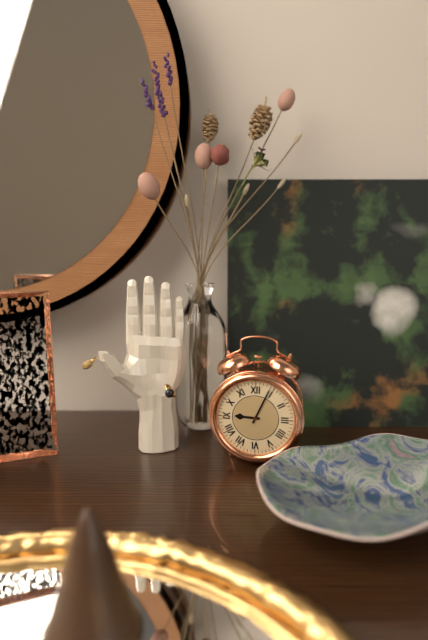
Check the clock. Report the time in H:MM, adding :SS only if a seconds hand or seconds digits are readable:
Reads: 9:04
